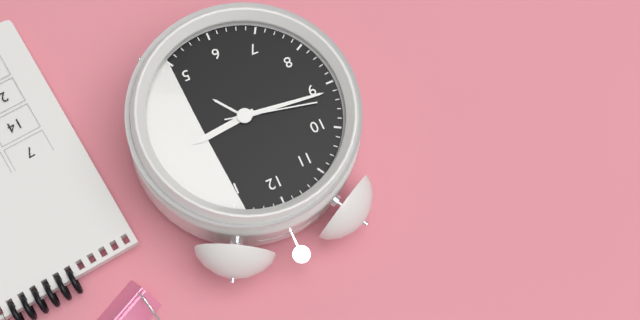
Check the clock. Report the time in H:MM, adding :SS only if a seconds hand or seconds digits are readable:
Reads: 2:46:47
